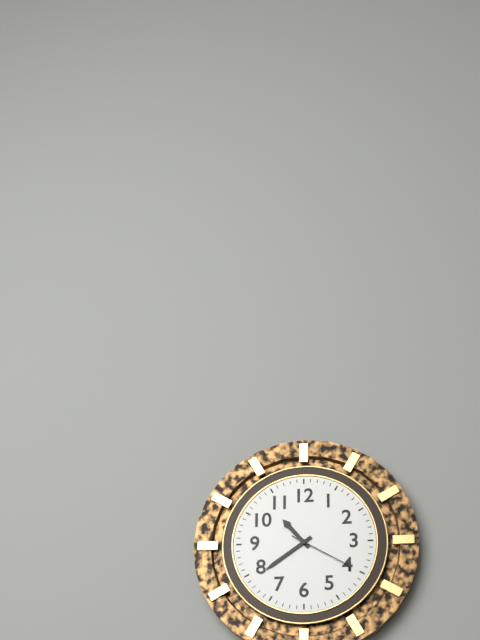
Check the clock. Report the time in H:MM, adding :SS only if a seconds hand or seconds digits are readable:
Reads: 10:39:20
